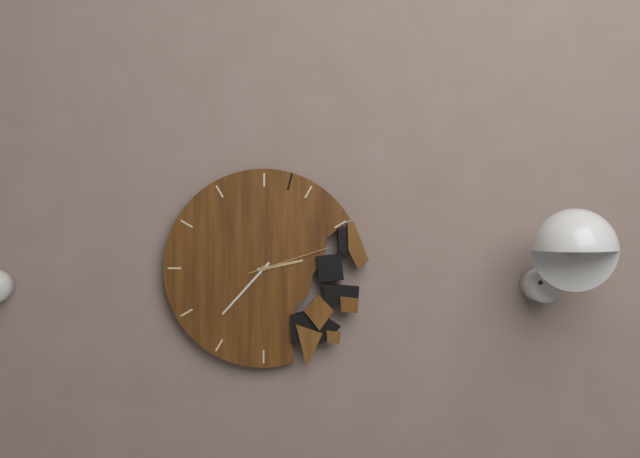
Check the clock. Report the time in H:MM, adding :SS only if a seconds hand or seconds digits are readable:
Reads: 2:37:12
